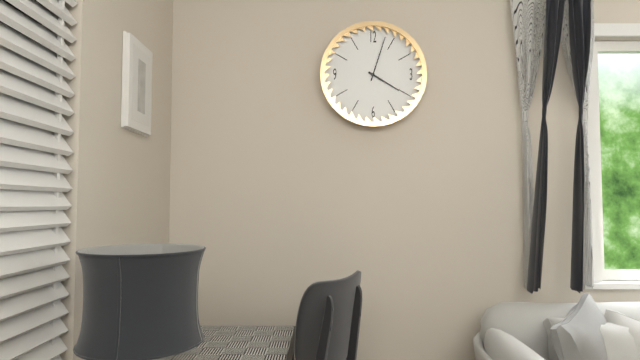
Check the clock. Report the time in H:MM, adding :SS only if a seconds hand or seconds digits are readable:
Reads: 4:03
